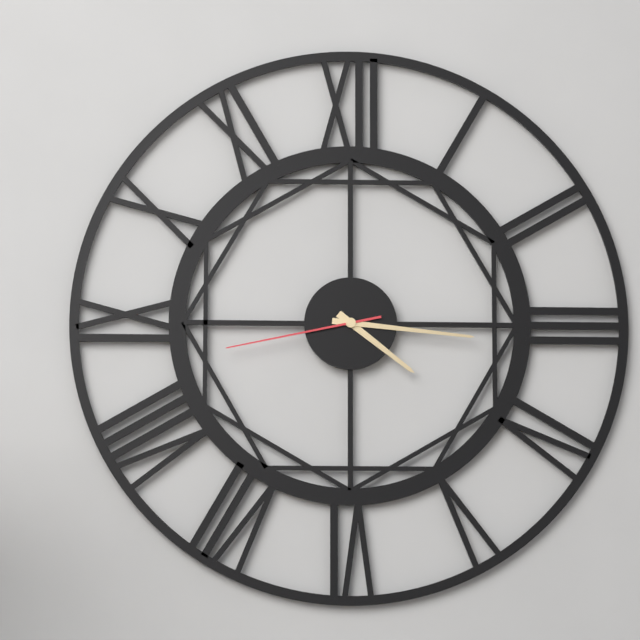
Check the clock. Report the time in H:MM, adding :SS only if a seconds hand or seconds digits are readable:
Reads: 4:16:43
